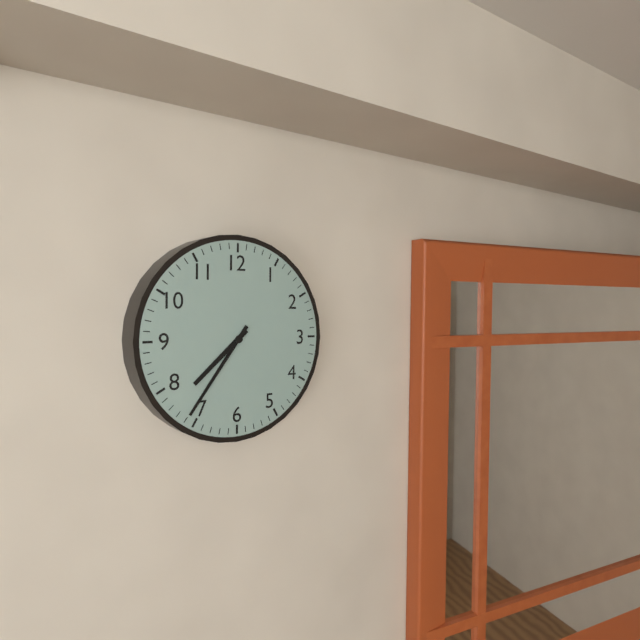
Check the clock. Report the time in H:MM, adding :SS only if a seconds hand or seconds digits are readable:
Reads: 7:36
